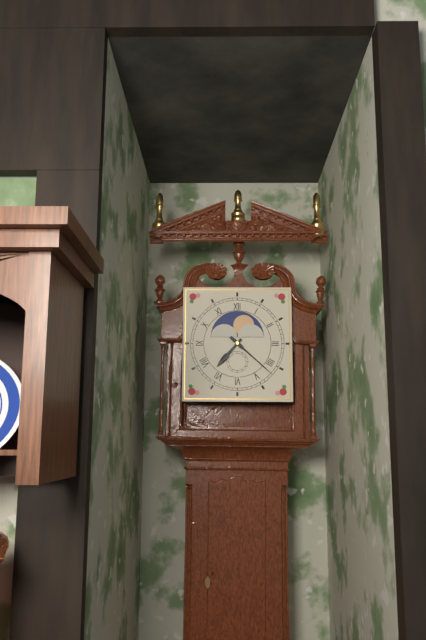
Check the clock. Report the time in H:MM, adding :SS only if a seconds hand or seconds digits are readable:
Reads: 7:22
